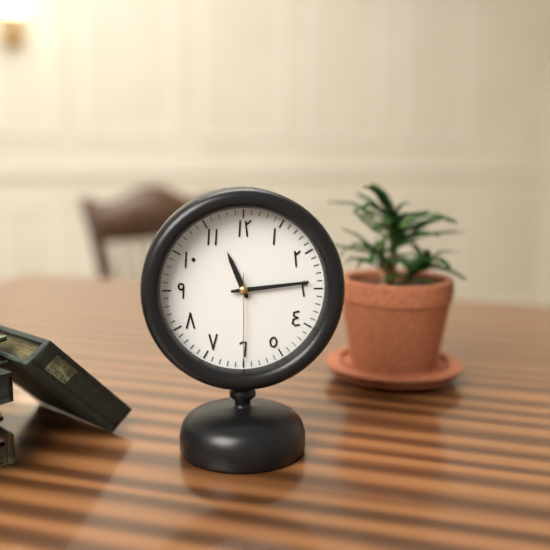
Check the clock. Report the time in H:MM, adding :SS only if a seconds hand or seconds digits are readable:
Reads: 11:14:30
